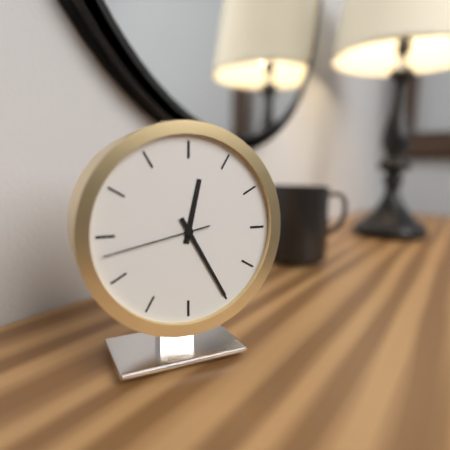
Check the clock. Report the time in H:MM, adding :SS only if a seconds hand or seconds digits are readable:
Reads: 12:25:43
